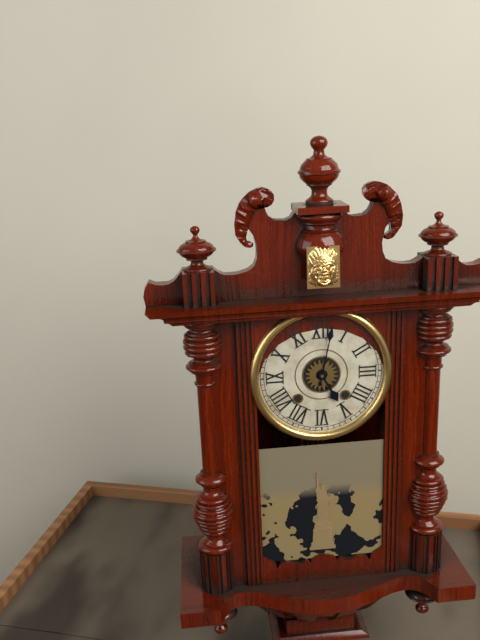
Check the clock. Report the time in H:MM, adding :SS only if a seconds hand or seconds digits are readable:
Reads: 5:02
